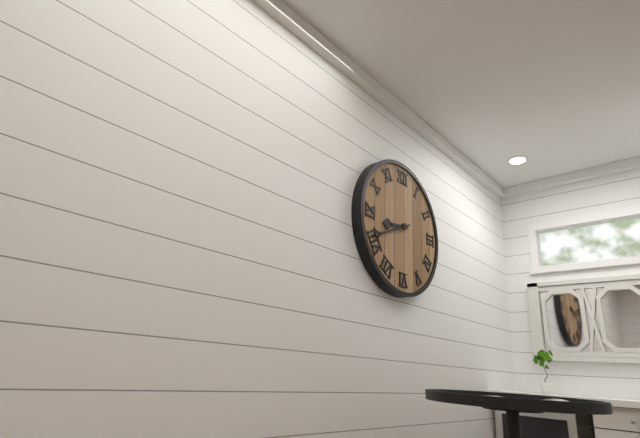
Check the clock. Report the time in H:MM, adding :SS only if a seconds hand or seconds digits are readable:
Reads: 8:41
